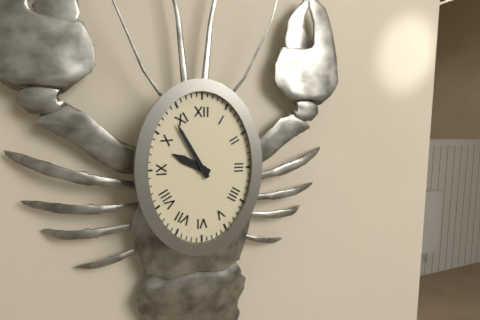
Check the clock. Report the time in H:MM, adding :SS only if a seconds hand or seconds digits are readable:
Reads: 9:55
